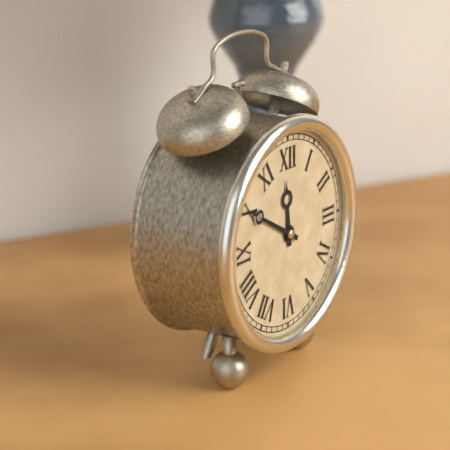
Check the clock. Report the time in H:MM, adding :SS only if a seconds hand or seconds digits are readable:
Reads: 11:50
